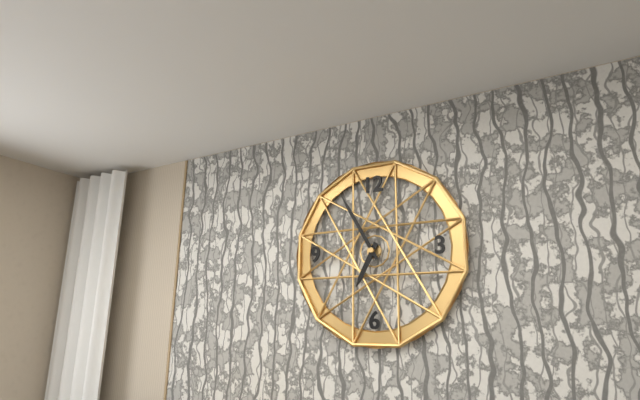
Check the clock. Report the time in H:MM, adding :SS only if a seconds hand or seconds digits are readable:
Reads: 6:55
